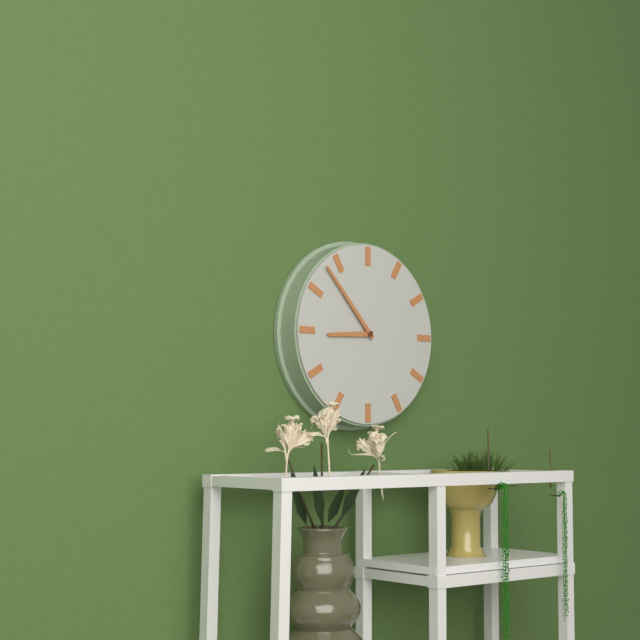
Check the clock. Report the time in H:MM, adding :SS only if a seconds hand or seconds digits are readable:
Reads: 8:53
